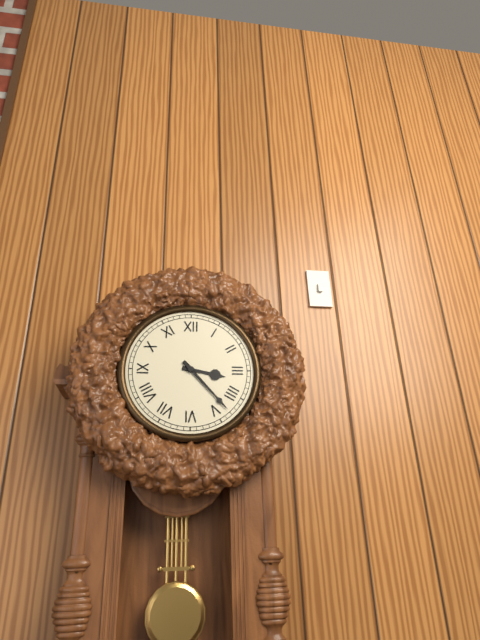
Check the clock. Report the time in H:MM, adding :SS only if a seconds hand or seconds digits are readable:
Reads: 3:23
